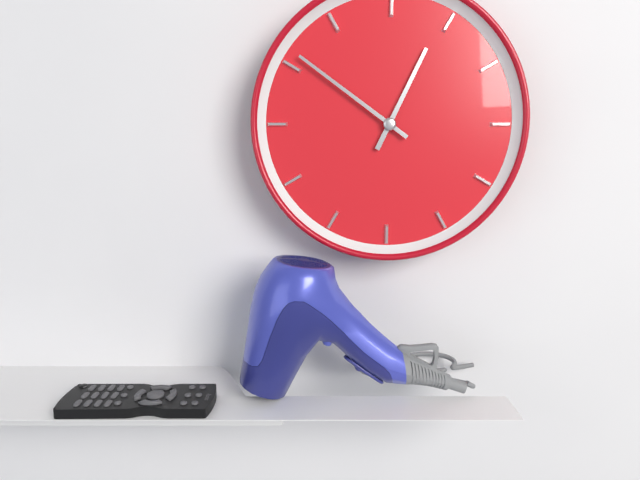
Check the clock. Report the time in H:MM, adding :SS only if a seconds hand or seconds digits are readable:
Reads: 12:51
